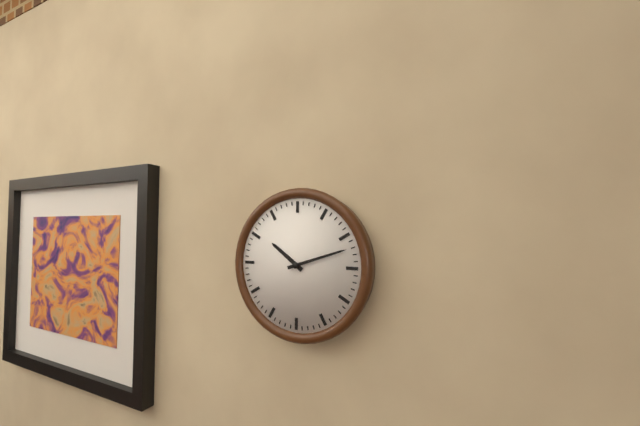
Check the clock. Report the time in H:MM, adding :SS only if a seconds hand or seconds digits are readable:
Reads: 10:12
